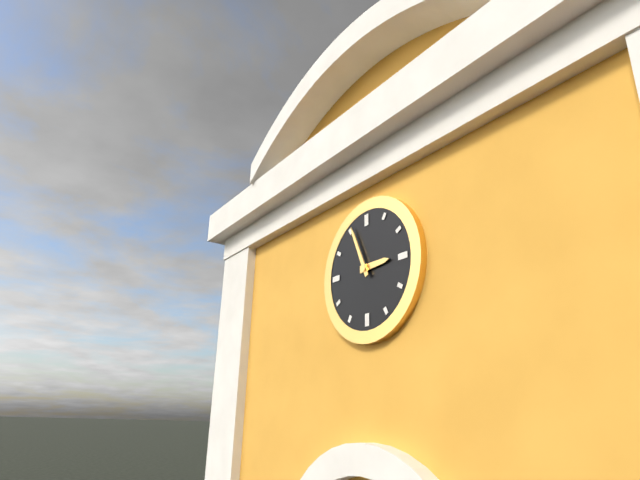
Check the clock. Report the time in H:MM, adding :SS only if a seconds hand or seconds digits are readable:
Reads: 2:56
